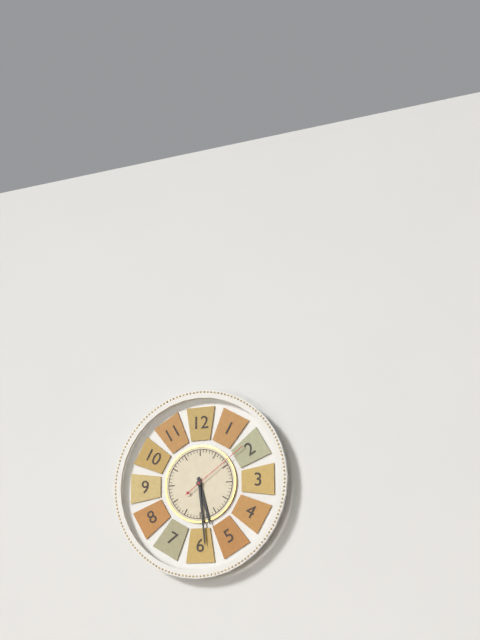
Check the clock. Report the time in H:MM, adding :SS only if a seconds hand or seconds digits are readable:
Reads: 5:29:09
